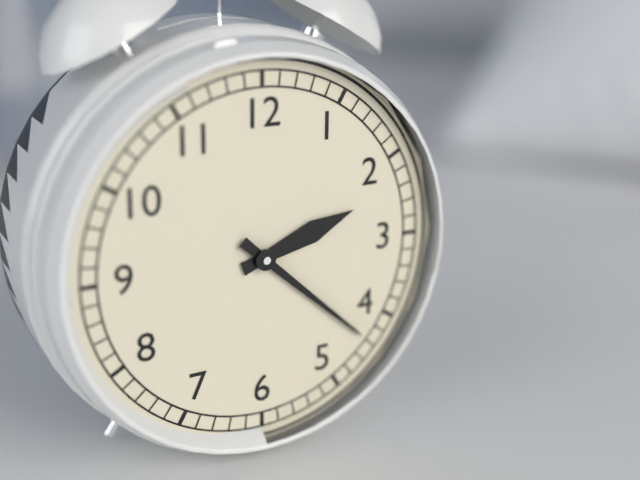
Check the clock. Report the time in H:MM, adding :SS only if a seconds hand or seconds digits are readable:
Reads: 2:22
